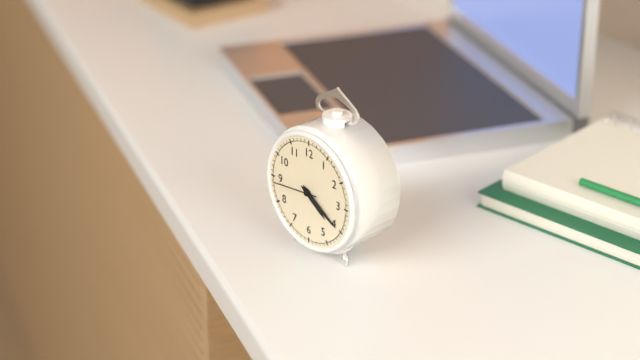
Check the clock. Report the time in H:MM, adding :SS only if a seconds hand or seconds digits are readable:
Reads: 4:20
